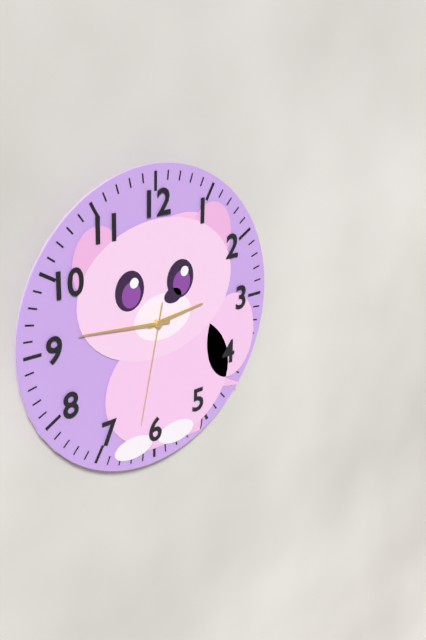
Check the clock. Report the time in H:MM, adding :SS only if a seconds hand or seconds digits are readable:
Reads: 2:46:32
